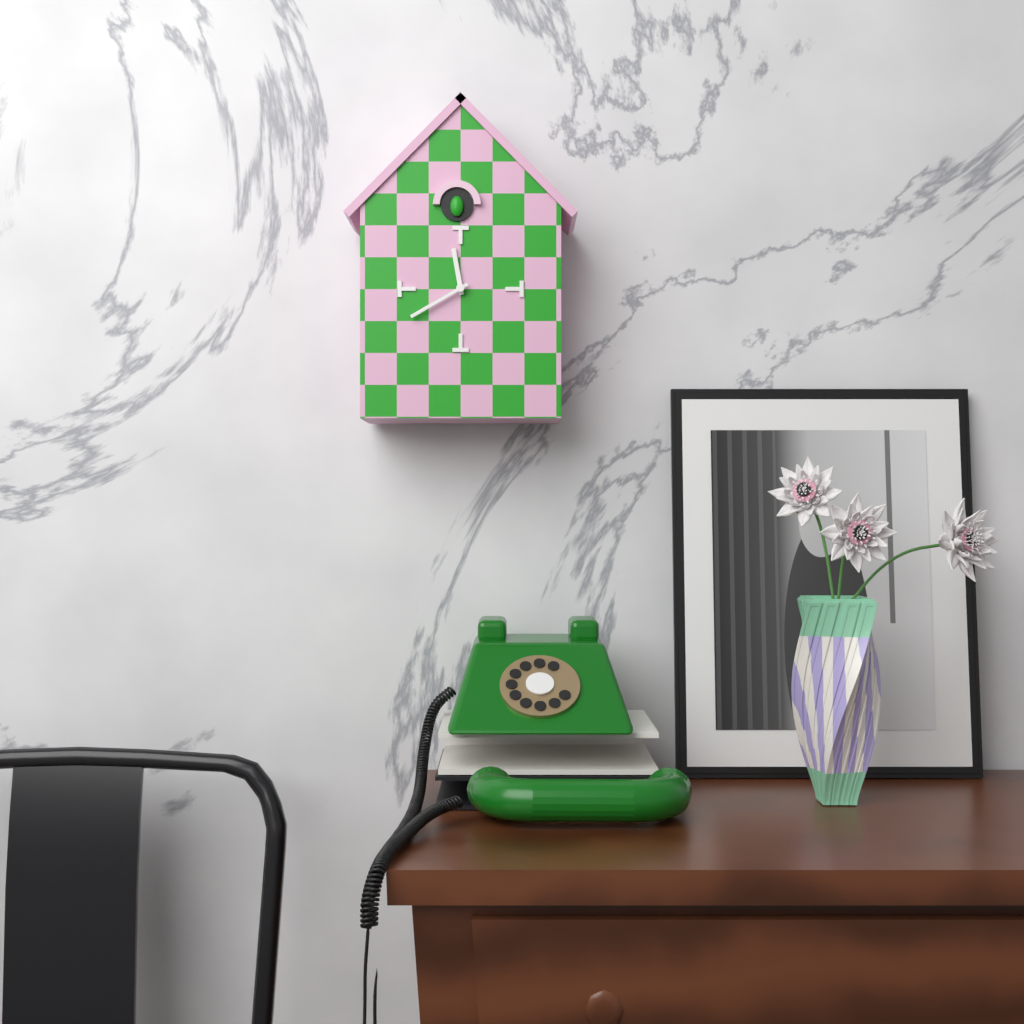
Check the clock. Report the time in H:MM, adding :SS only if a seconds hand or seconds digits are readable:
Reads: 11:40
